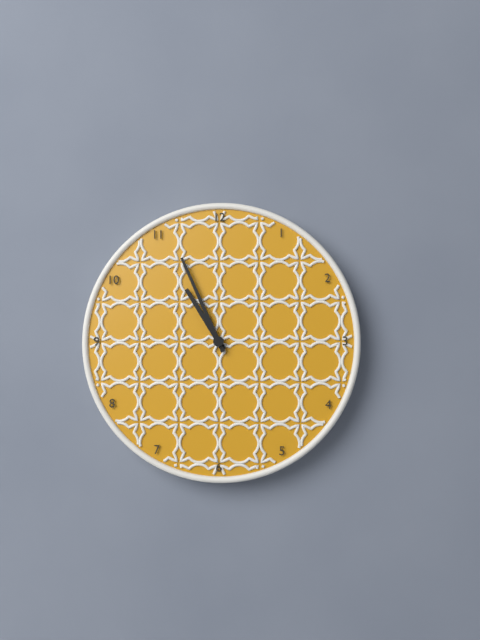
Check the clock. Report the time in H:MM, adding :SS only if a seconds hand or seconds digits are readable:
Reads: 10:56
